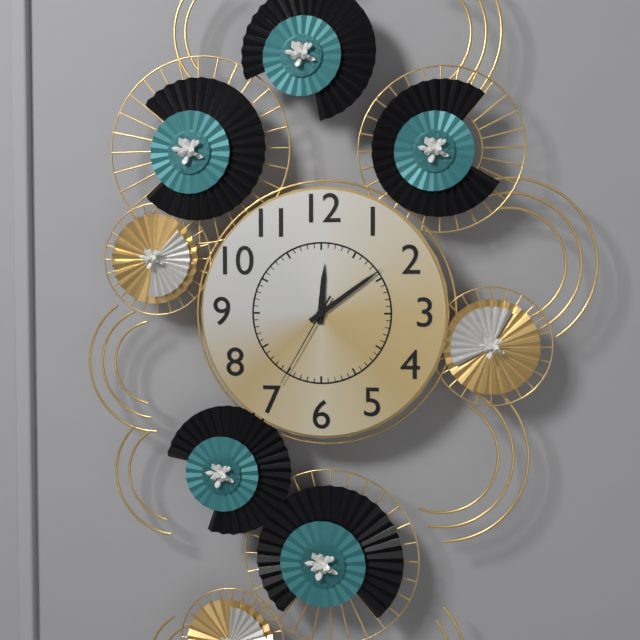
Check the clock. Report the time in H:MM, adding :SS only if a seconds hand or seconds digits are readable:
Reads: 12:09:35
